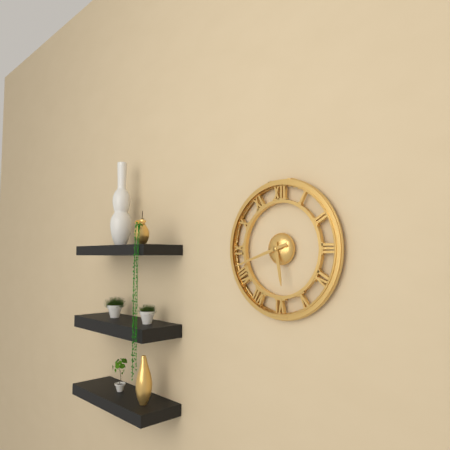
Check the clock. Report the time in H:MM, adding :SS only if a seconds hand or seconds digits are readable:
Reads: 5:42
